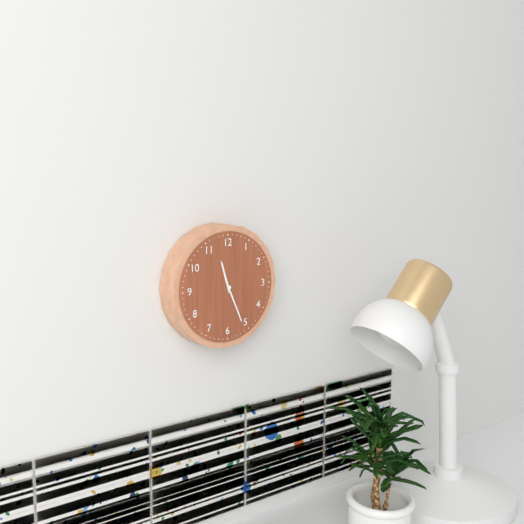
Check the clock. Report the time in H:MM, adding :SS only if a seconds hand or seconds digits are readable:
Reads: 11:26
